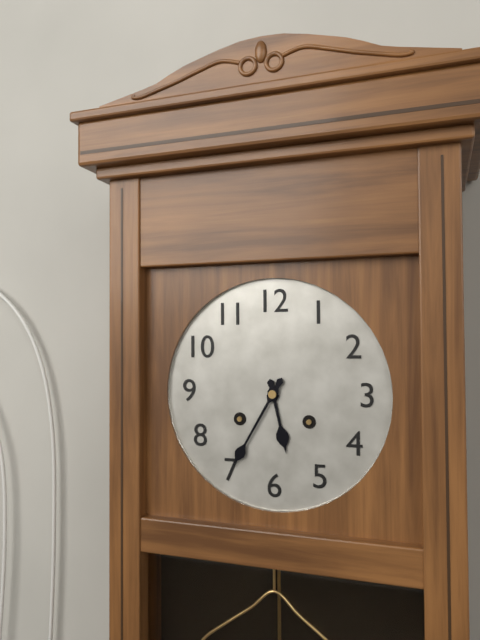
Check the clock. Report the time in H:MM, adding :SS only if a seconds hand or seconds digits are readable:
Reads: 5:35
